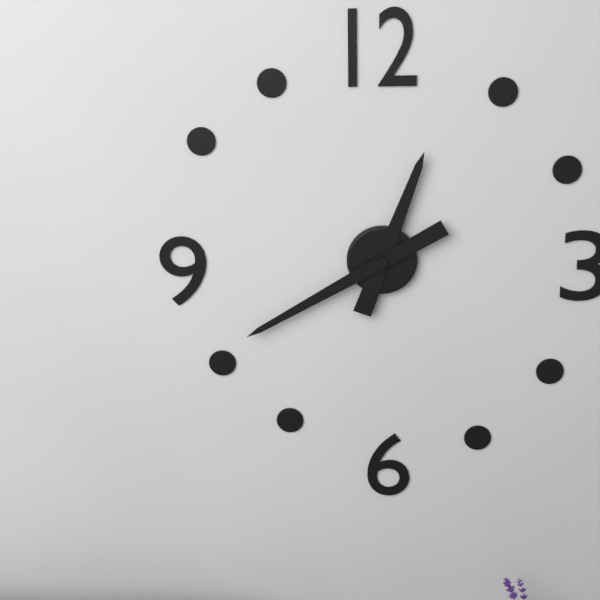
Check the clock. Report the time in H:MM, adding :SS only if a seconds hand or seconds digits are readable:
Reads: 12:40
